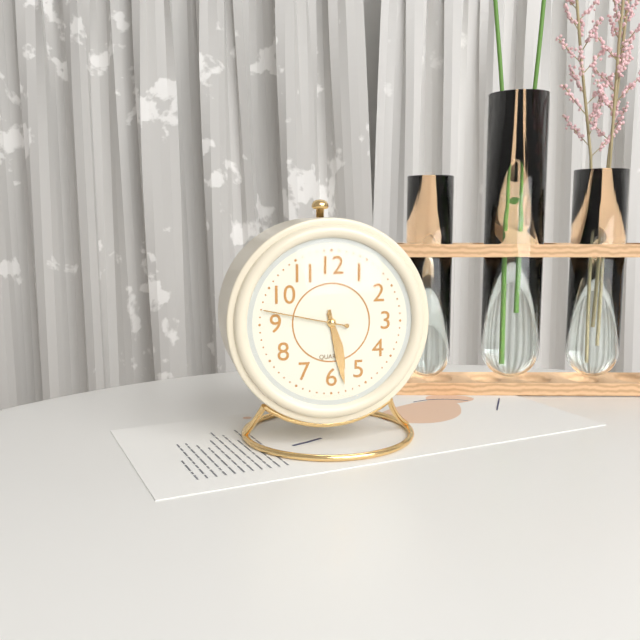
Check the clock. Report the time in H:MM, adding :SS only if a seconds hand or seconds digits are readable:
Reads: 5:28:47
